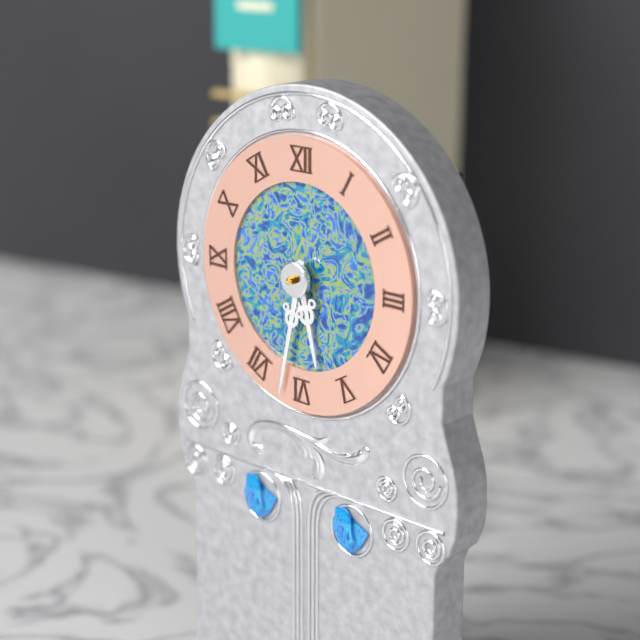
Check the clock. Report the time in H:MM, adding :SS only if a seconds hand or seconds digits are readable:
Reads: 5:32
